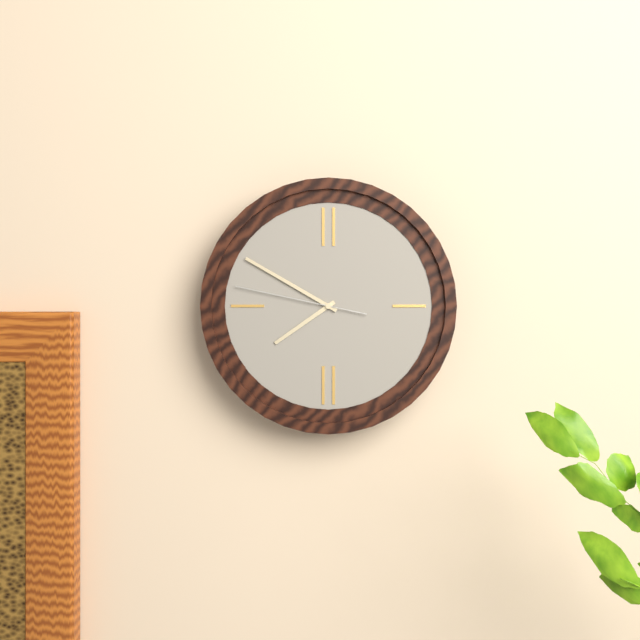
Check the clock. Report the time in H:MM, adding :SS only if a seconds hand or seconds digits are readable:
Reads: 7:50:47
